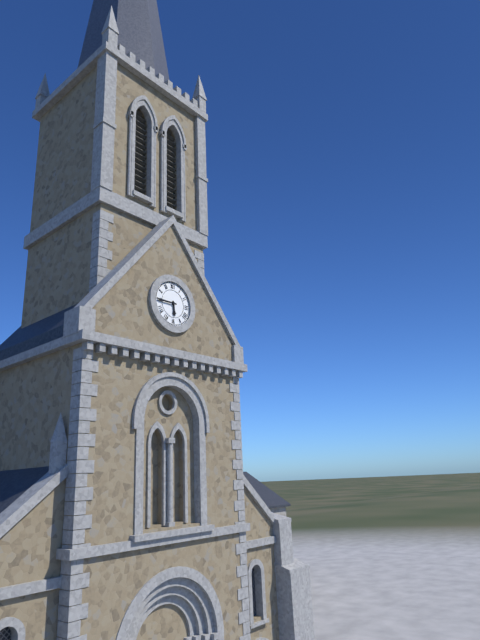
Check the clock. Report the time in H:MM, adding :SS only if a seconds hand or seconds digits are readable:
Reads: 5:45
